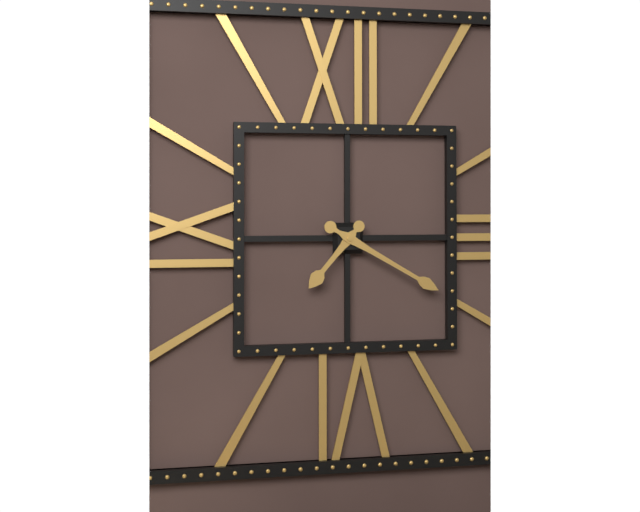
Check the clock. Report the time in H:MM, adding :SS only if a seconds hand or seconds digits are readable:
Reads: 7:20
